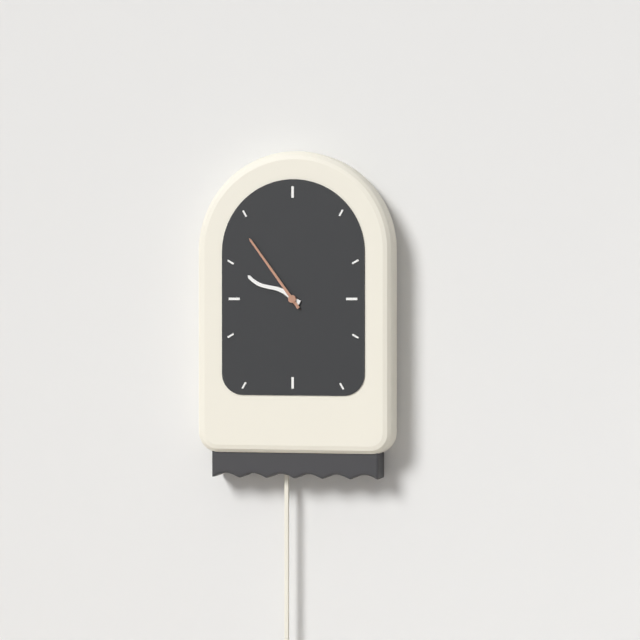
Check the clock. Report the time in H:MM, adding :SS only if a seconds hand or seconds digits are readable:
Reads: 9:54
